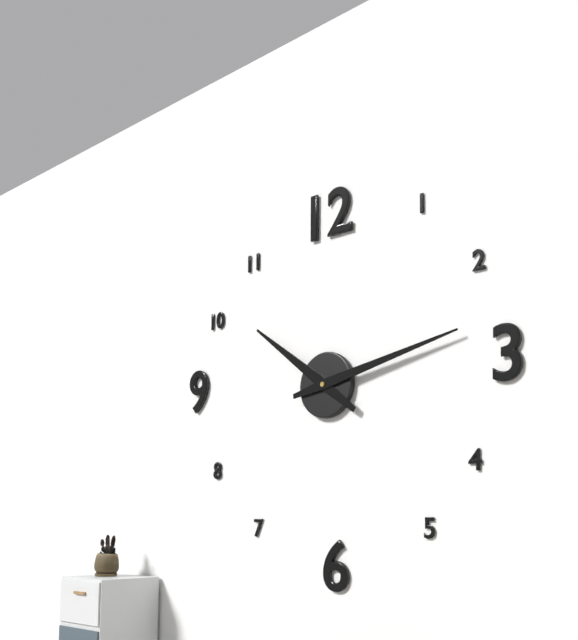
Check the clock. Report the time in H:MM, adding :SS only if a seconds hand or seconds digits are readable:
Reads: 10:13
